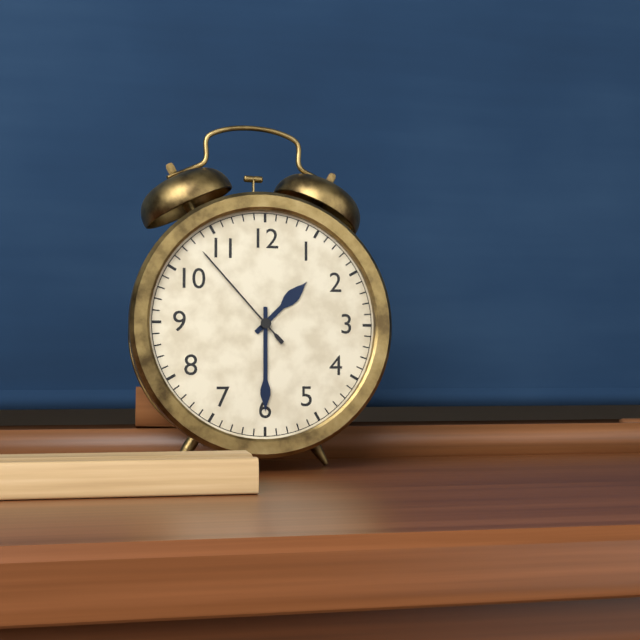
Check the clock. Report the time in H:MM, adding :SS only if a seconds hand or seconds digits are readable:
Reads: 1:30:53
